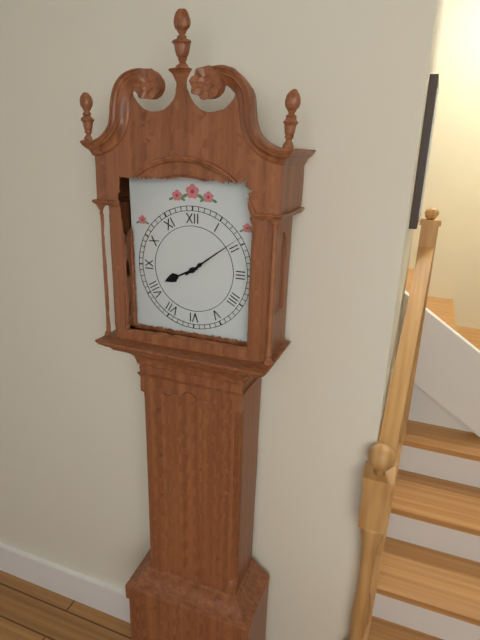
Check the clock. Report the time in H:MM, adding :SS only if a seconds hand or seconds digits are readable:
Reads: 8:09
